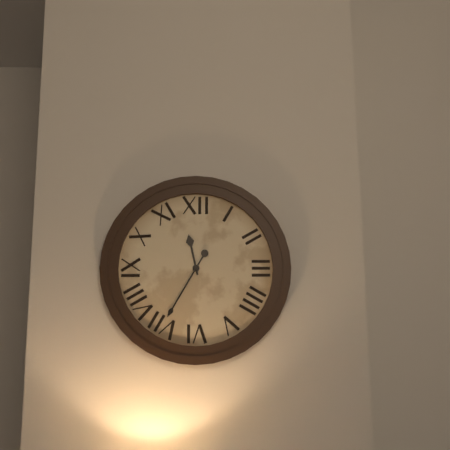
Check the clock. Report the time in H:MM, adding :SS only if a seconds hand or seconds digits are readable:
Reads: 11:35
